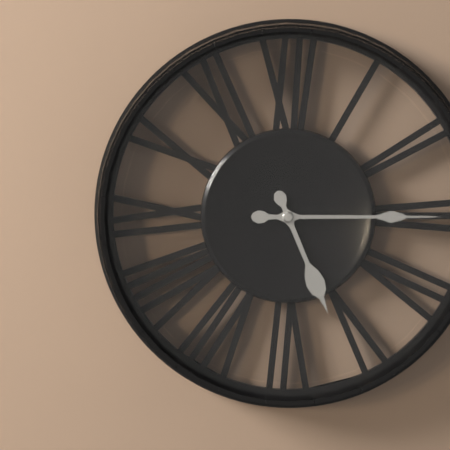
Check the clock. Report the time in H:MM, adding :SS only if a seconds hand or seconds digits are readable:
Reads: 5:15
